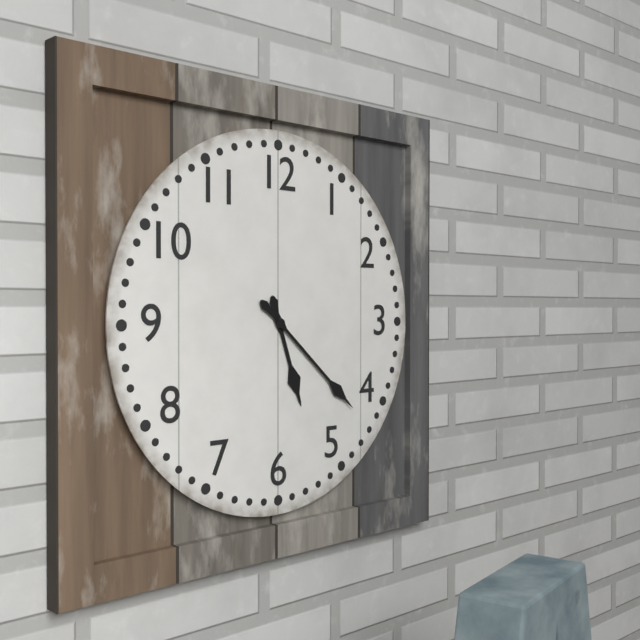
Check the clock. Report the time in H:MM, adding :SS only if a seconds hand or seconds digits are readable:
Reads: 5:22
